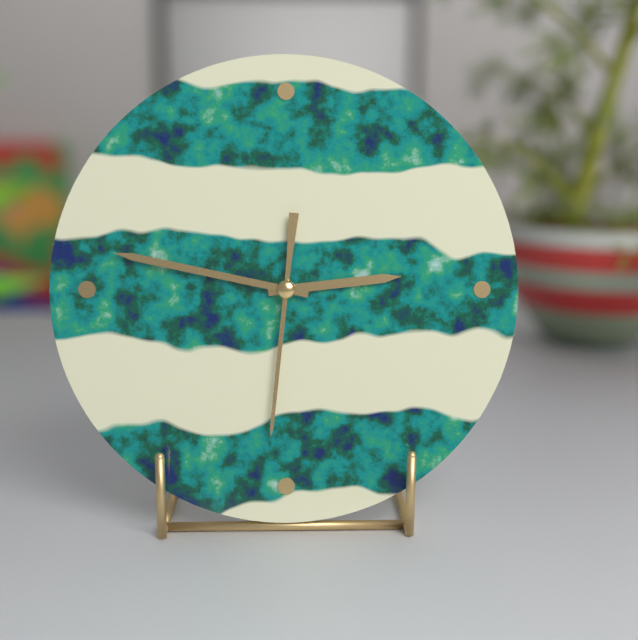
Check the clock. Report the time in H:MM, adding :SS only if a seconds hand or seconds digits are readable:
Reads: 2:47:31
